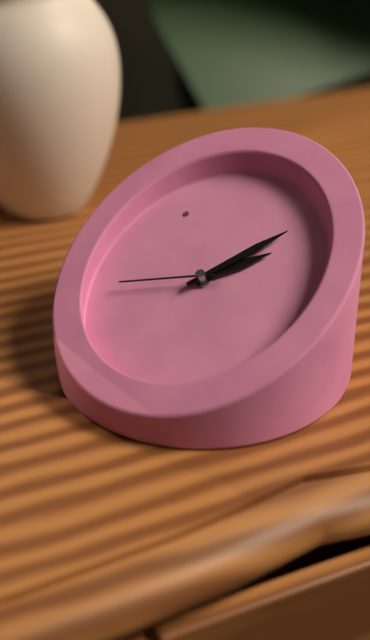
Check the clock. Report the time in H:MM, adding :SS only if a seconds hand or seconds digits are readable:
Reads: 4:20:55
